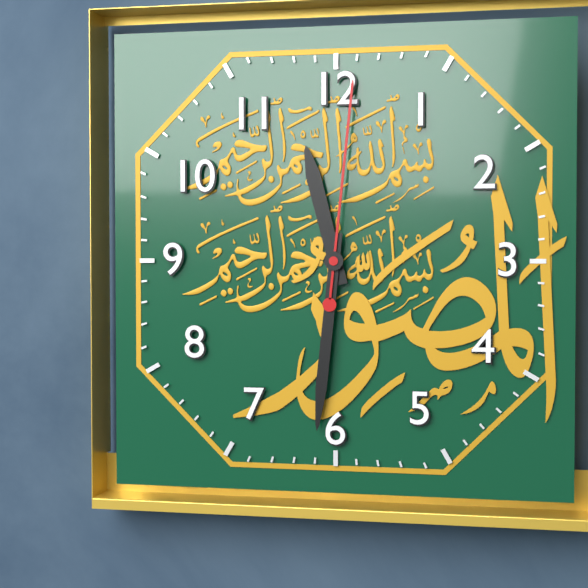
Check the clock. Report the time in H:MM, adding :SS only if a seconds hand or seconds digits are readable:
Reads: 11:31:01
